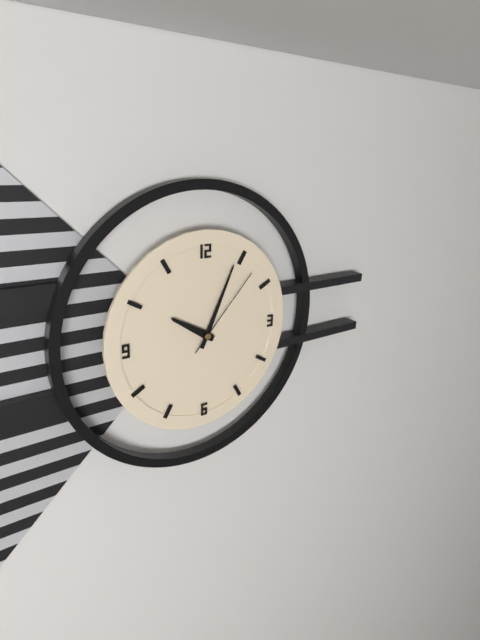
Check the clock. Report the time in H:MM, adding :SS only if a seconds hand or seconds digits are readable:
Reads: 10:04:07
